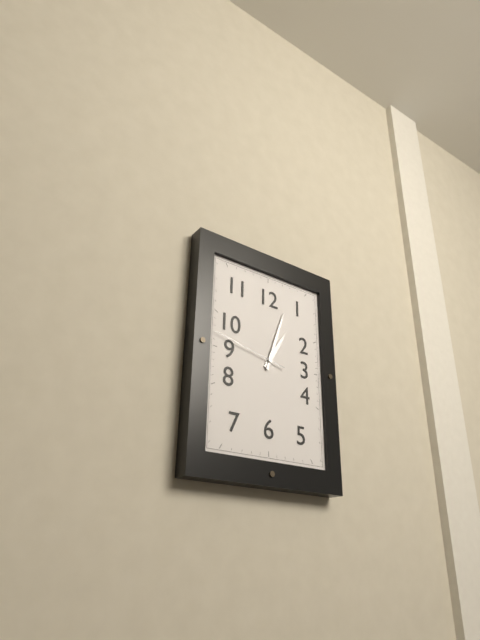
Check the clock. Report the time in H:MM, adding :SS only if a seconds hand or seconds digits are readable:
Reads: 1:03:47
